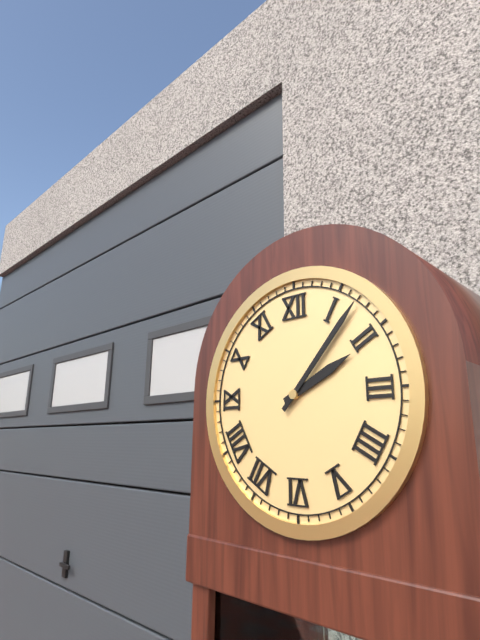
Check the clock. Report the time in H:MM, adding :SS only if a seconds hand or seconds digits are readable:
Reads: 2:07
